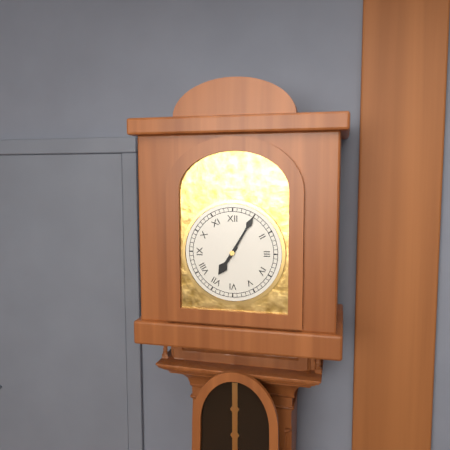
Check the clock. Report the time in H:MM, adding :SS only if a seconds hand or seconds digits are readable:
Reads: 7:05
